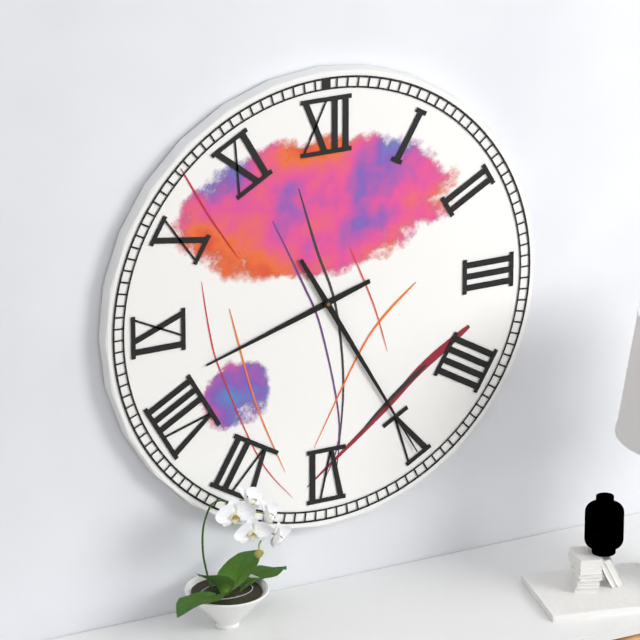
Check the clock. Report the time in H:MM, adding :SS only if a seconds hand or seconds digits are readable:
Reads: 8:25
